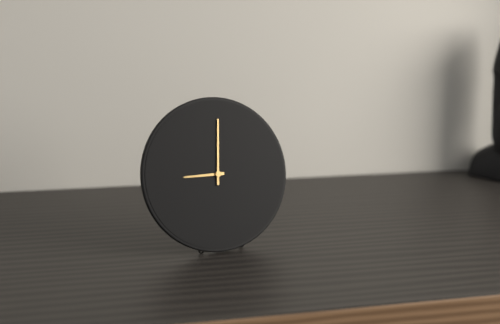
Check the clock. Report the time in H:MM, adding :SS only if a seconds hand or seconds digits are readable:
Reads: 9:01
